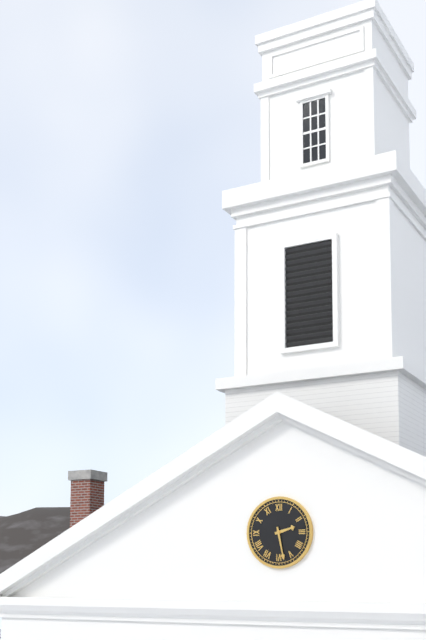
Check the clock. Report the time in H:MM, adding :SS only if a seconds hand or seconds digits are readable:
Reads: 2:28
